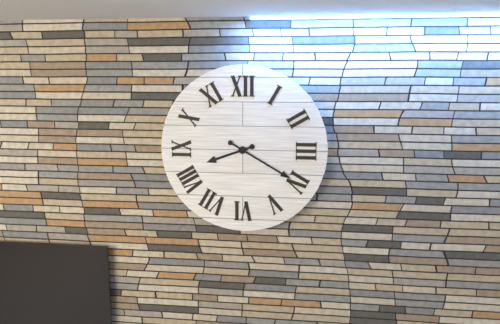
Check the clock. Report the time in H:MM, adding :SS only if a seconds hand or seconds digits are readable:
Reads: 8:20
